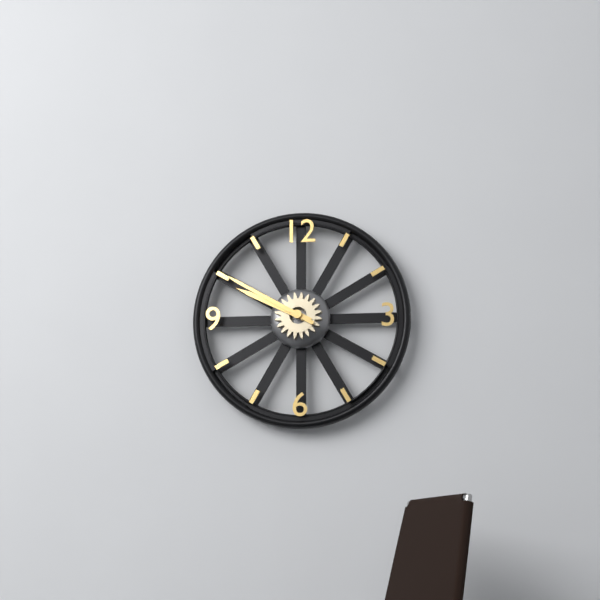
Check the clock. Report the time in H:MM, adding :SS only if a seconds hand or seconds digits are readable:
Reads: 9:50
